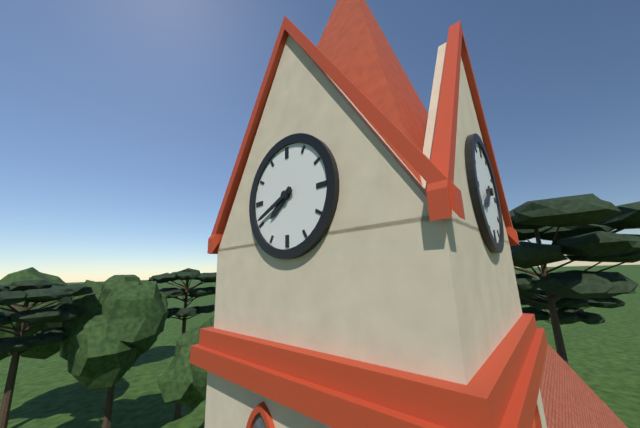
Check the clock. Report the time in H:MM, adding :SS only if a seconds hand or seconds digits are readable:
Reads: 7:41
